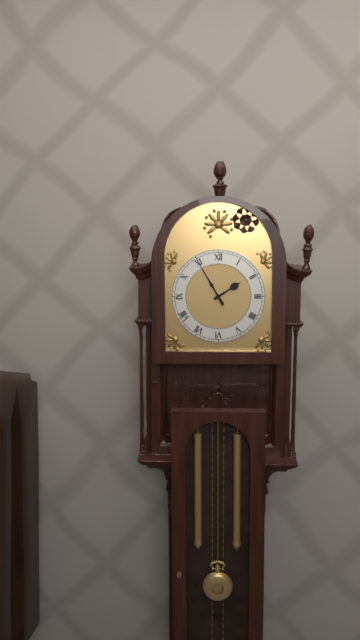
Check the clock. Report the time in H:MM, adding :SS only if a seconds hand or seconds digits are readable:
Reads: 1:55
